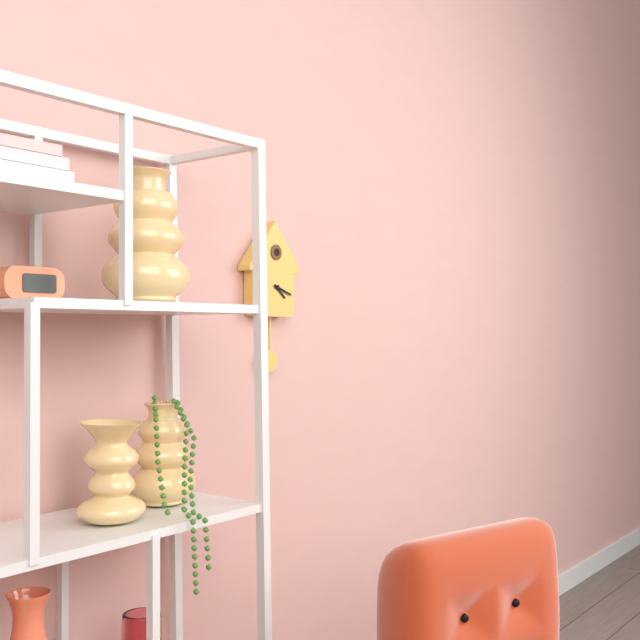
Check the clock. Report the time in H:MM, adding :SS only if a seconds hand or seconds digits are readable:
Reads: 4:18
